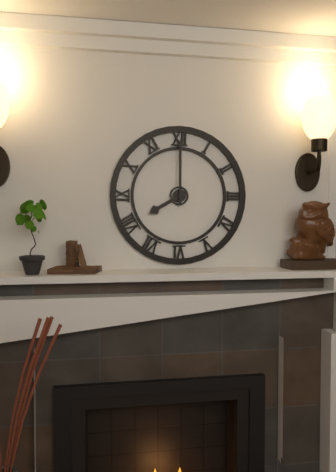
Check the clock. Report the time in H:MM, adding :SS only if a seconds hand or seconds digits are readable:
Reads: 8:00
